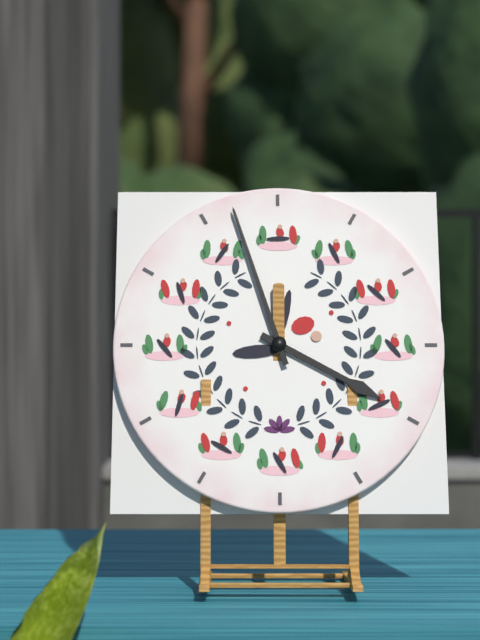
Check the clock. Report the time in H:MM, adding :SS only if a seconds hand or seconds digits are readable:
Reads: 3:57
